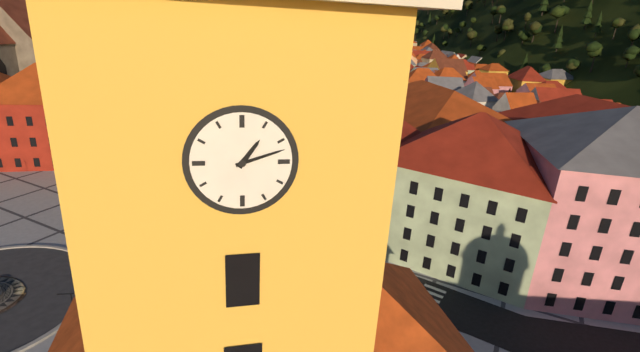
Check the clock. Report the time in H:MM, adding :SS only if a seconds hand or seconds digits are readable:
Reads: 1:12
